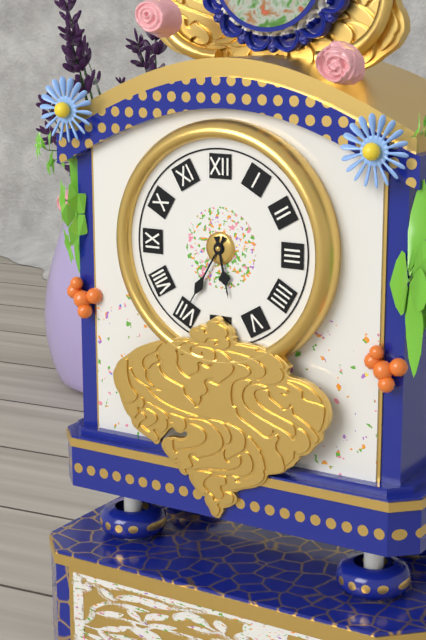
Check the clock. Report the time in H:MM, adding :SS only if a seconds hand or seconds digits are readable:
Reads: 5:35
